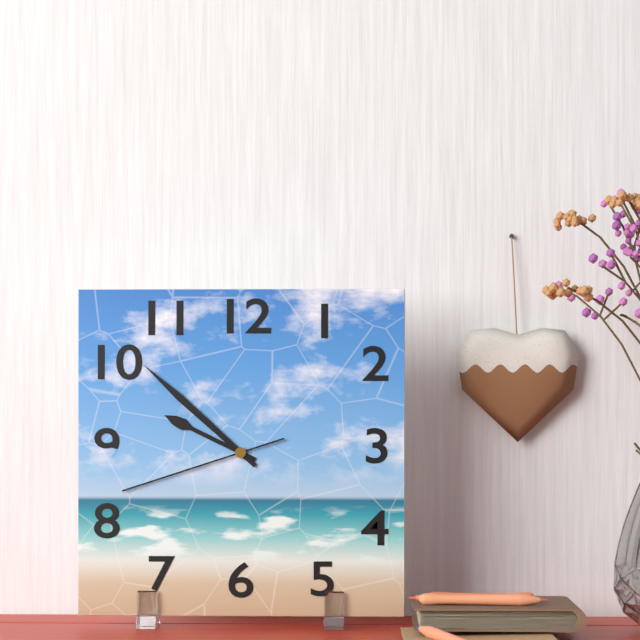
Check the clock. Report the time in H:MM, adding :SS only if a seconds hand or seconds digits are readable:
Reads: 9:52:42
